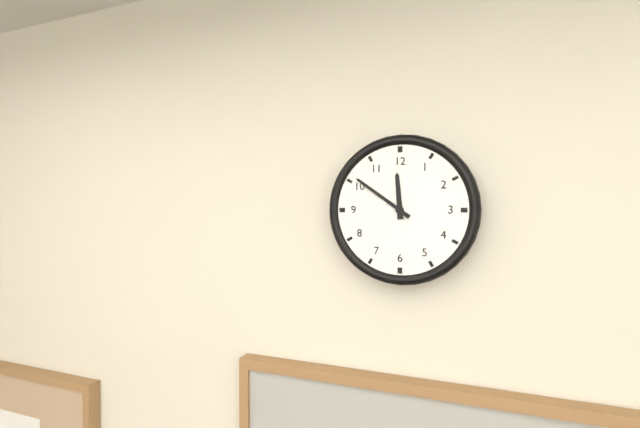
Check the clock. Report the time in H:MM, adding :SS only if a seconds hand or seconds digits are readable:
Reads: 11:51
